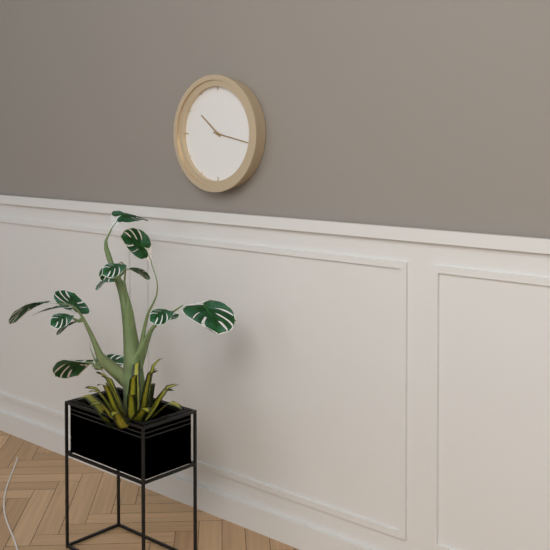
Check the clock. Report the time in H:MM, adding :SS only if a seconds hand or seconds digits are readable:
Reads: 10:17
